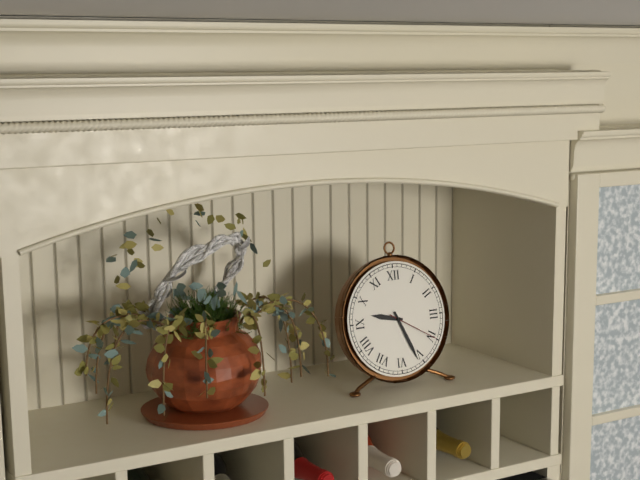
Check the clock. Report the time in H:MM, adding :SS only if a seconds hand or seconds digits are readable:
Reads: 9:26:20
